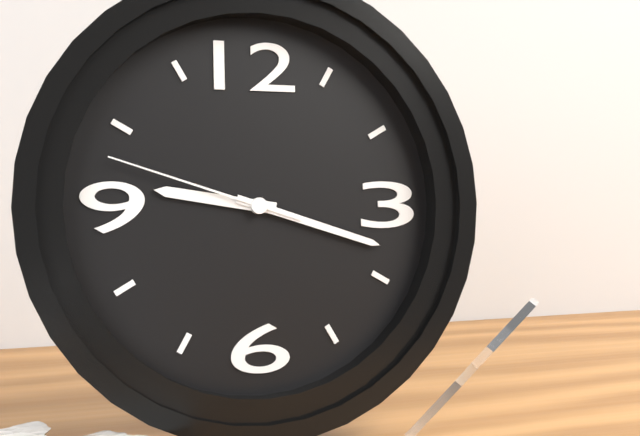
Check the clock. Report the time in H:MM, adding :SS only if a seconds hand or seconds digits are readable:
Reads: 9:18:48
